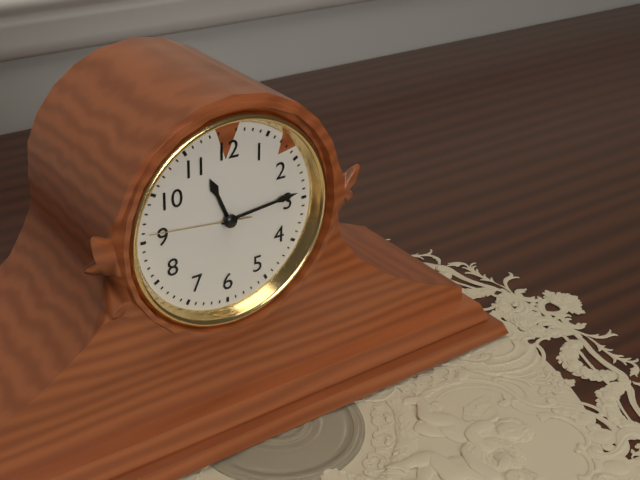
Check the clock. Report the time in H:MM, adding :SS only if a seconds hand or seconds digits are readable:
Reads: 11:14:46
